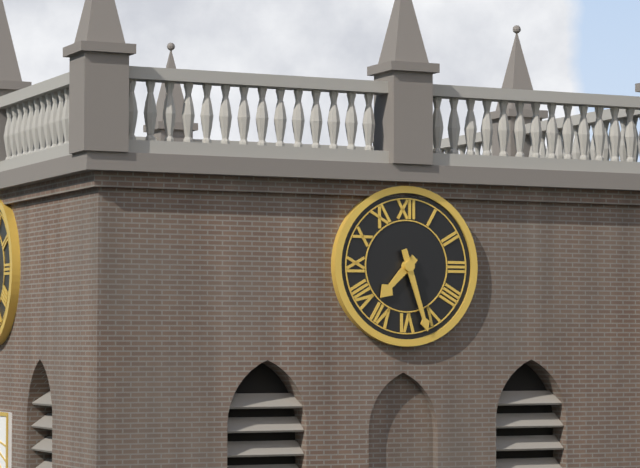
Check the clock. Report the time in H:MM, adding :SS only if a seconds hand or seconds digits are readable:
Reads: 7:27
